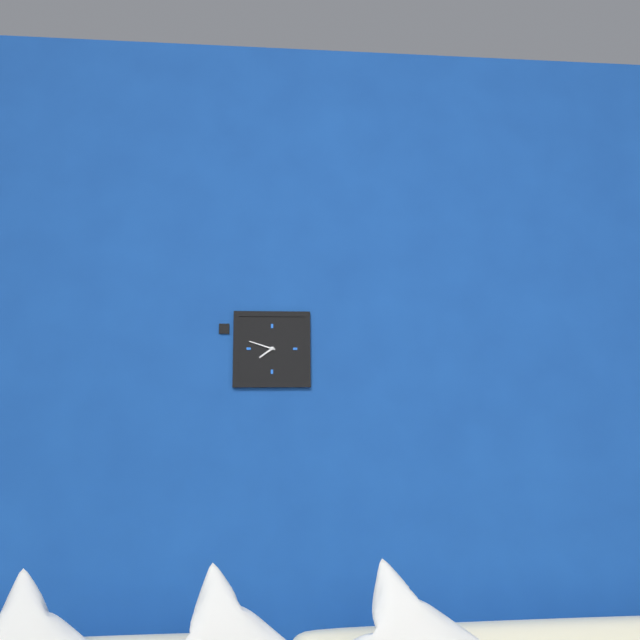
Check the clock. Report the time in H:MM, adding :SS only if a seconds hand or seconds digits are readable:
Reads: 7:48
